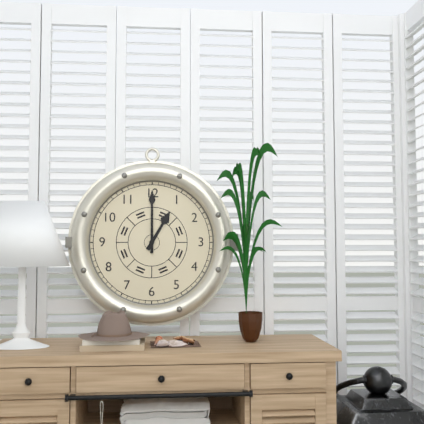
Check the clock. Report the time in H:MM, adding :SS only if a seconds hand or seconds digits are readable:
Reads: 1:00
